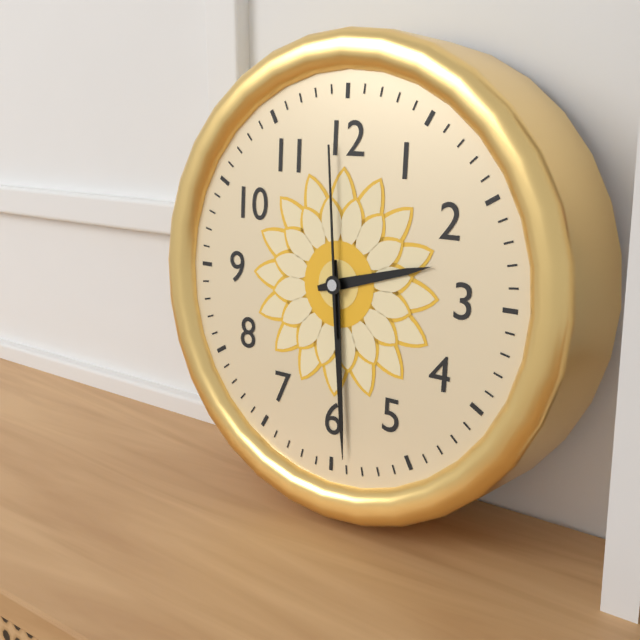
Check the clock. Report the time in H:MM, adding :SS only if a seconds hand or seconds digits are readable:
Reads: 2:29:59
